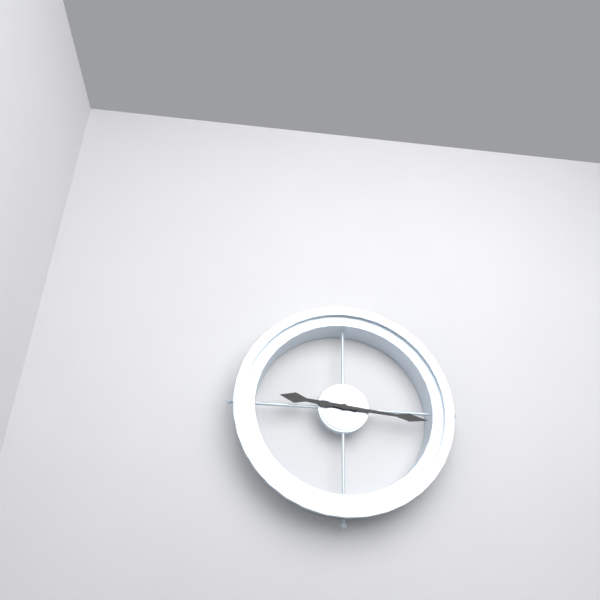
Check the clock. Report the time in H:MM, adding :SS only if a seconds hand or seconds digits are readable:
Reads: 9:16
